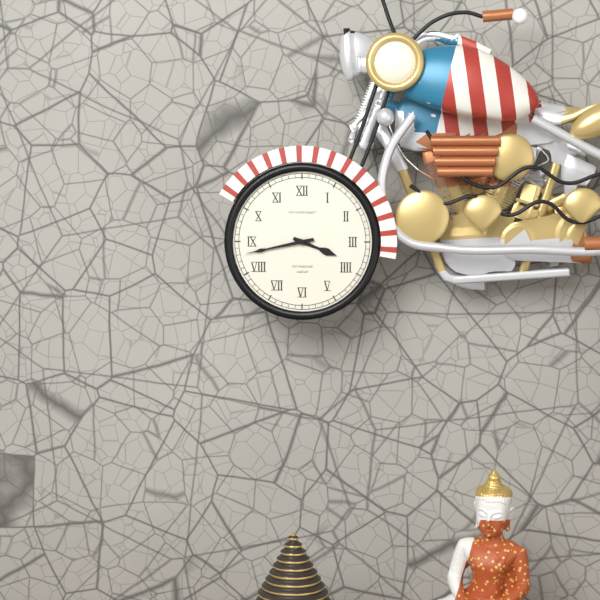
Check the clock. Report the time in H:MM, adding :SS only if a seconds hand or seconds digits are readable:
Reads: 3:43
